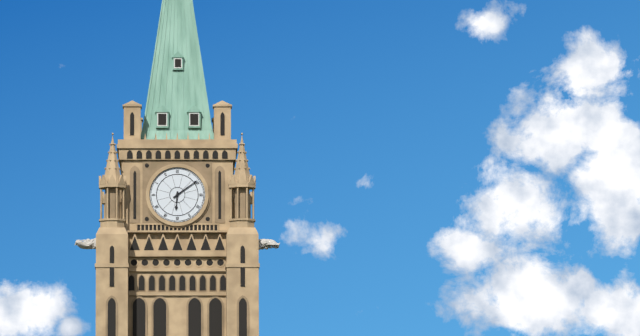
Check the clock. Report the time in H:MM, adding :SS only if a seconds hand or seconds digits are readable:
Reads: 6:09
